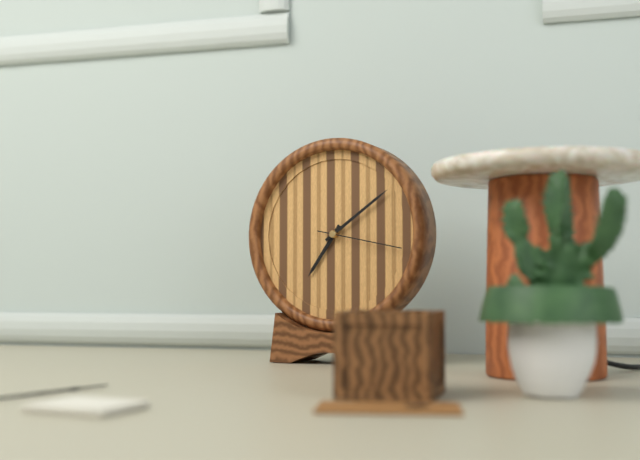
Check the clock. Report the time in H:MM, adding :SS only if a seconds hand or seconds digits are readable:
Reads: 7:09:17
